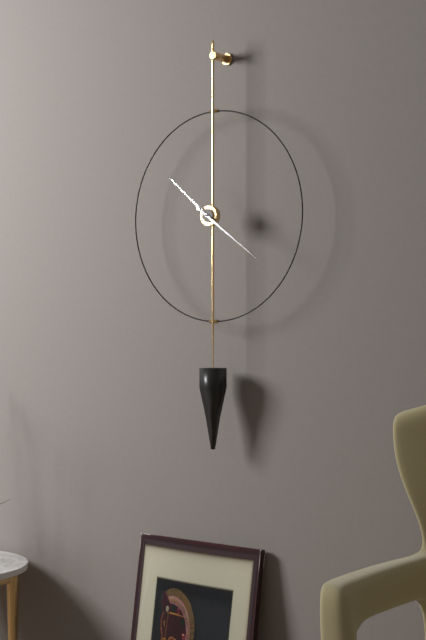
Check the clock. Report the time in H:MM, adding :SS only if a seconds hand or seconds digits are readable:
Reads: 10:21
